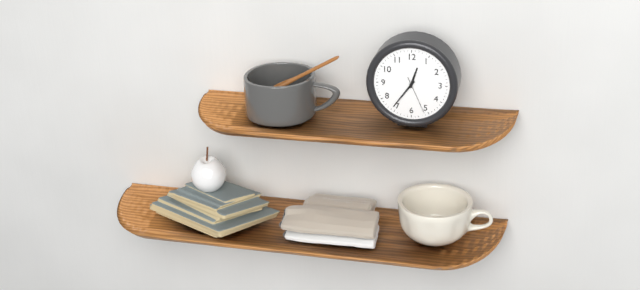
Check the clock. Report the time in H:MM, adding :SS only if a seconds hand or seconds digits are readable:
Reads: 12:36
